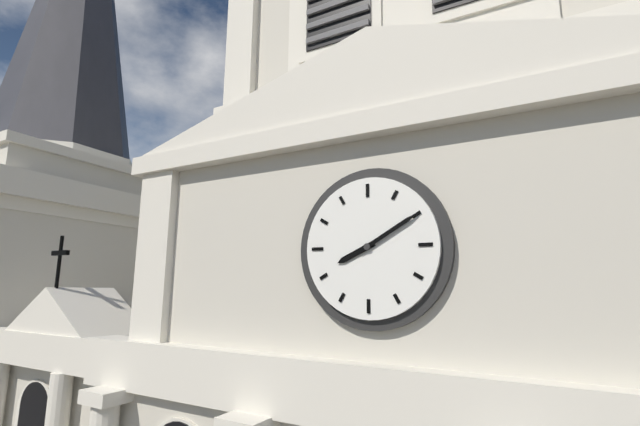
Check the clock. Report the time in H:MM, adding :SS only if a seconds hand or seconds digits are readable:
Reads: 8:10
